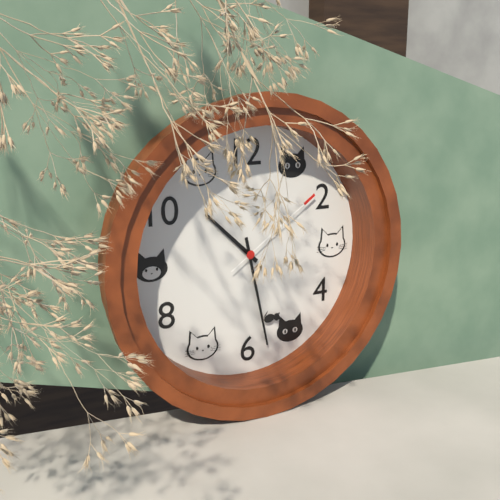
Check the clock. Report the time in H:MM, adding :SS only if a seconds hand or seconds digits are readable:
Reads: 10:28:09
